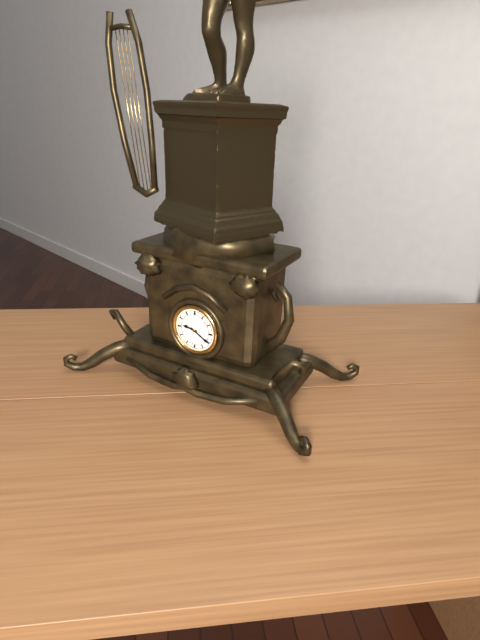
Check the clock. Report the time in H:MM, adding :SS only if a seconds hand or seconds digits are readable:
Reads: 9:20
